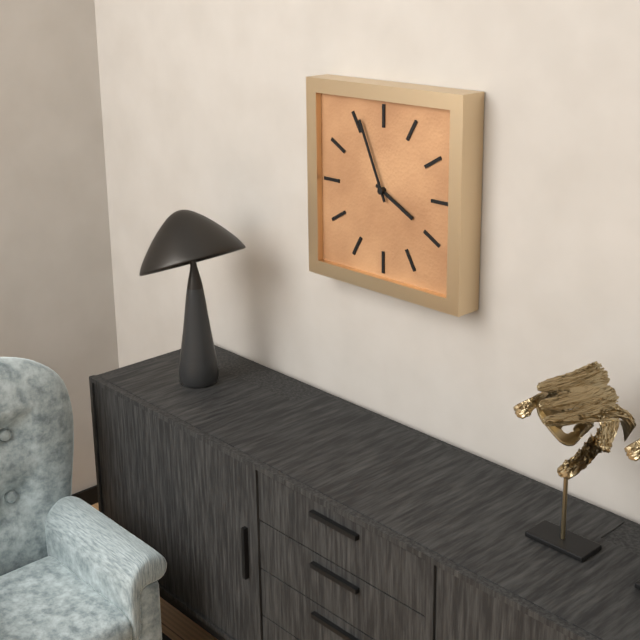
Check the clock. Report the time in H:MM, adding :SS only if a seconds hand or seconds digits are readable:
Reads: 3:56
